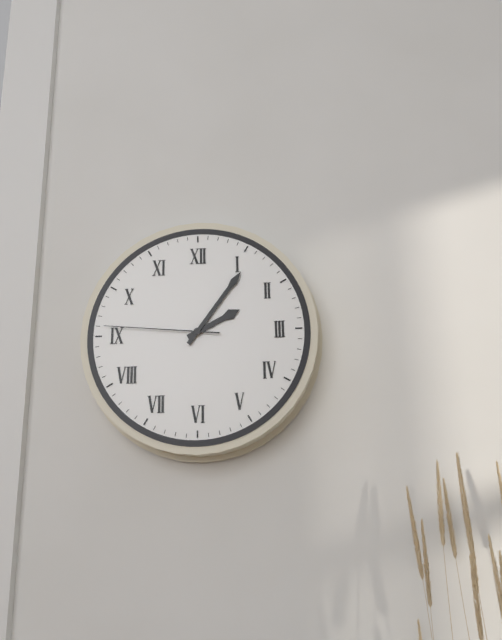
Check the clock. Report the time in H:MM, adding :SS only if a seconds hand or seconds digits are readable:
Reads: 2:06:46
